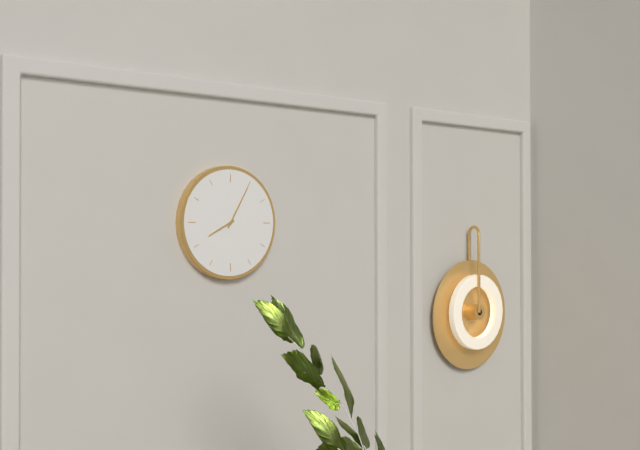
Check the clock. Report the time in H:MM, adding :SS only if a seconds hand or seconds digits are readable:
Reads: 8:05
